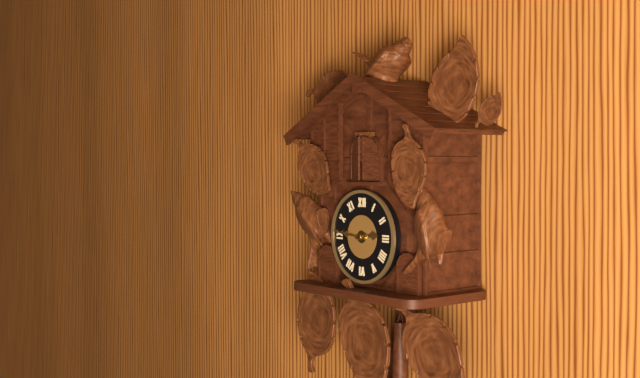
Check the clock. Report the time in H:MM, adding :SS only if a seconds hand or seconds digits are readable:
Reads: 2:46
